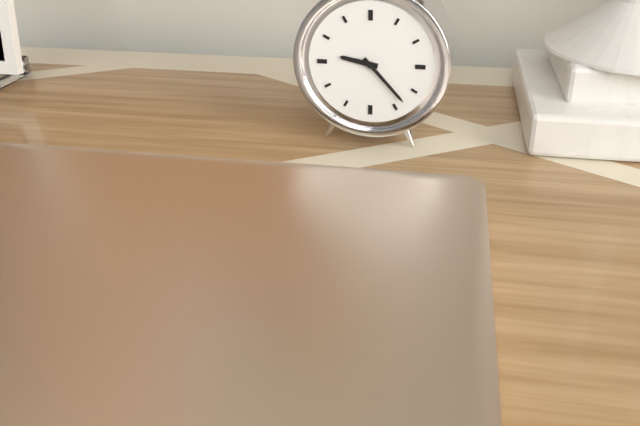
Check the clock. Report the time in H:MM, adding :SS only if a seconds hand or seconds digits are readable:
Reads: 9:23
